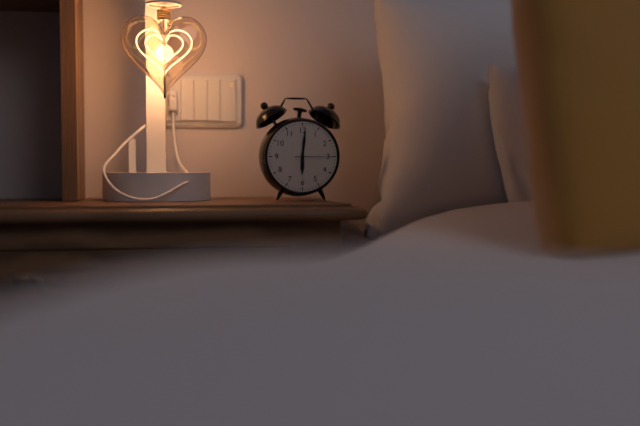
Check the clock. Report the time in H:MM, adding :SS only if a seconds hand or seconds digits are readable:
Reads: 6:01
